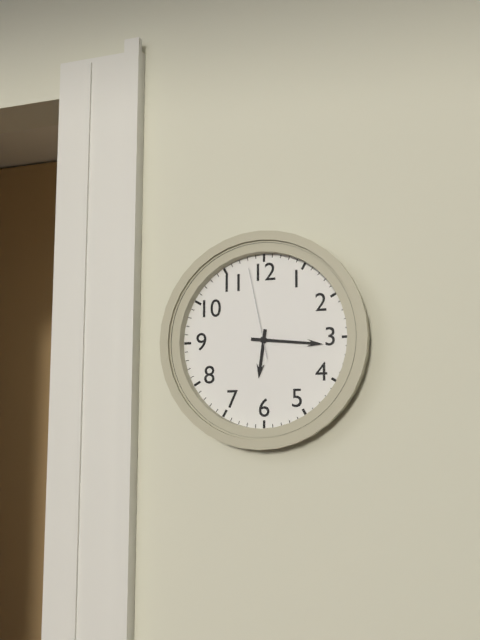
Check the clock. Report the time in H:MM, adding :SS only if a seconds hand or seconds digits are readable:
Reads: 6:16:58
